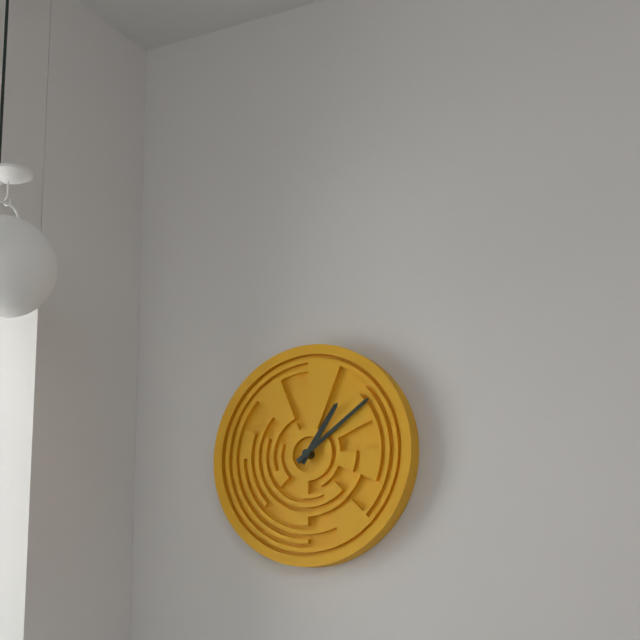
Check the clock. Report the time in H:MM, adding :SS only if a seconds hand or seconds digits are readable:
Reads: 1:09
